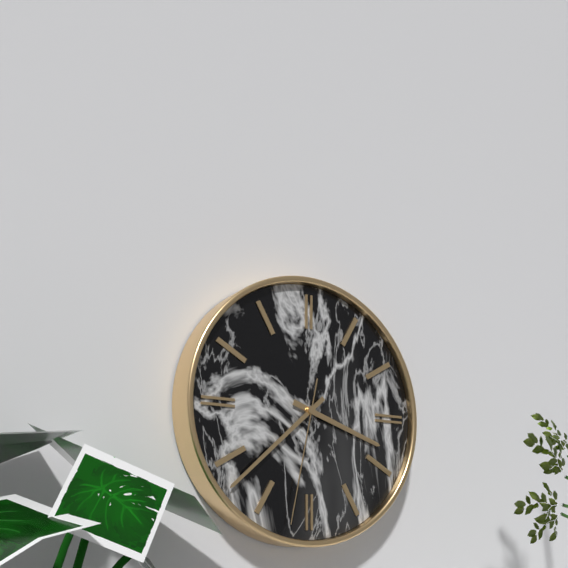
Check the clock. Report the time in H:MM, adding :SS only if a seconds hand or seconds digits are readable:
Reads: 3:38:32
